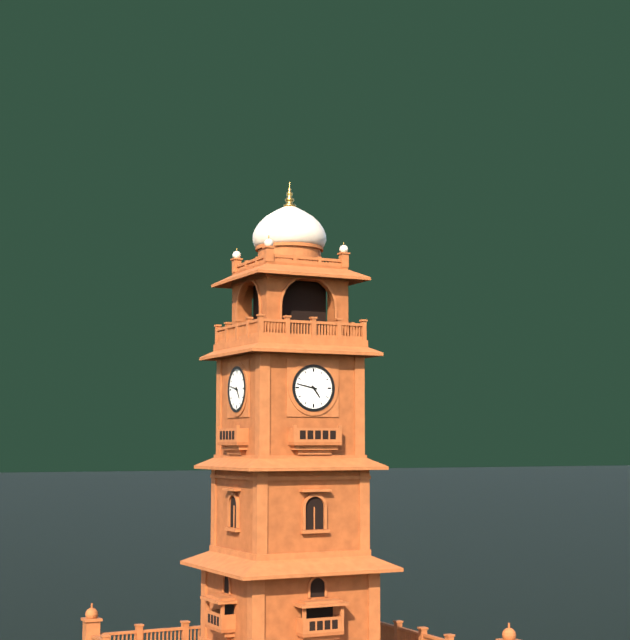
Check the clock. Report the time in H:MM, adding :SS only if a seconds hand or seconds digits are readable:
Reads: 4:47
